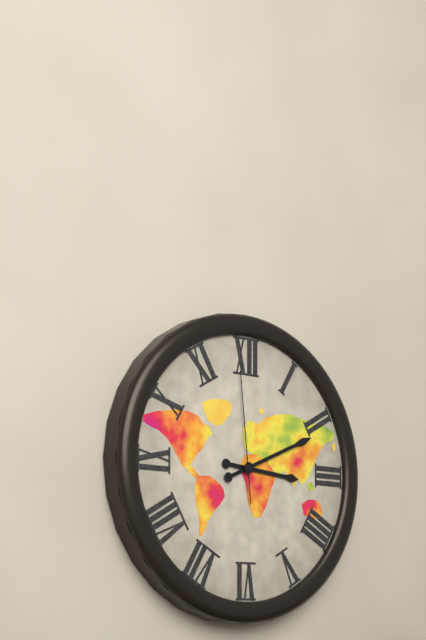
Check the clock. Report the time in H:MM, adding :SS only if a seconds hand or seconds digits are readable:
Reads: 3:11:59
